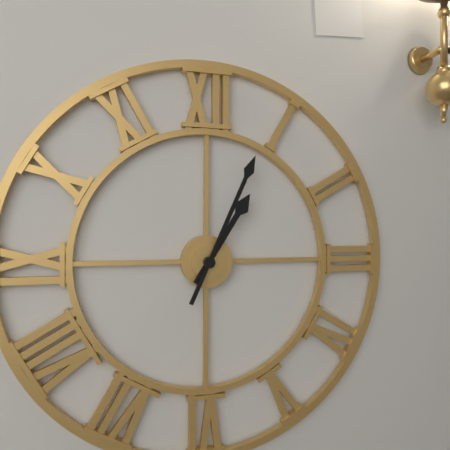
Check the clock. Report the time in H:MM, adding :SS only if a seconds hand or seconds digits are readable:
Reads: 1:04
